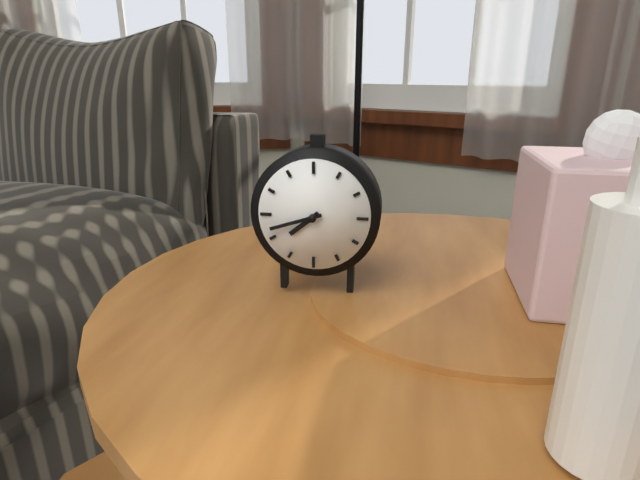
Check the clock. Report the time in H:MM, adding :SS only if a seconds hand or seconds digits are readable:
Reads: 7:42
